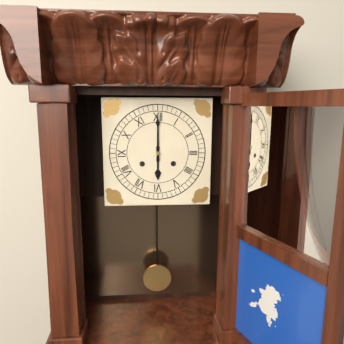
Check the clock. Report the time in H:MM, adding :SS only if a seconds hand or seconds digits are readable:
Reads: 6:00
